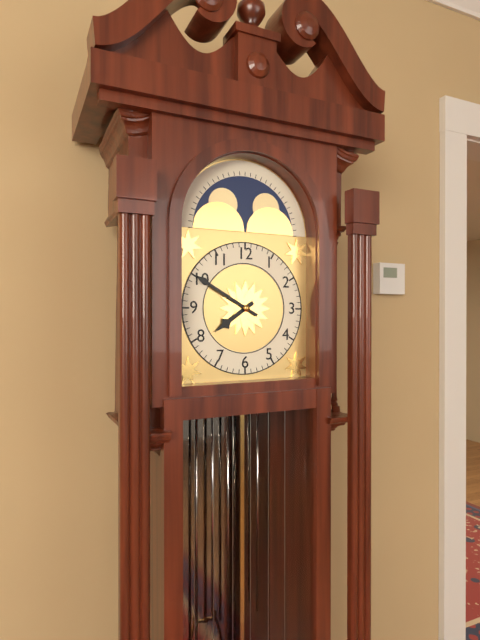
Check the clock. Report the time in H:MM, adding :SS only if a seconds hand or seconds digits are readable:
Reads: 7:50
